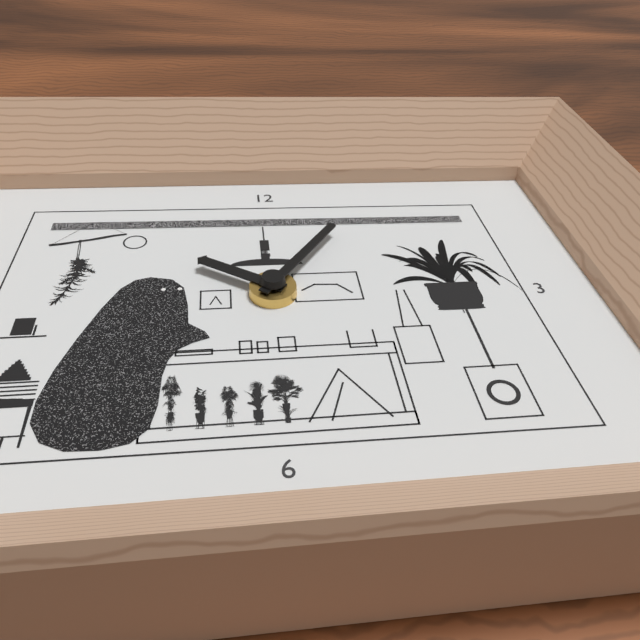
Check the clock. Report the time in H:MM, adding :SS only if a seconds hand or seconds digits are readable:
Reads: 10:06
